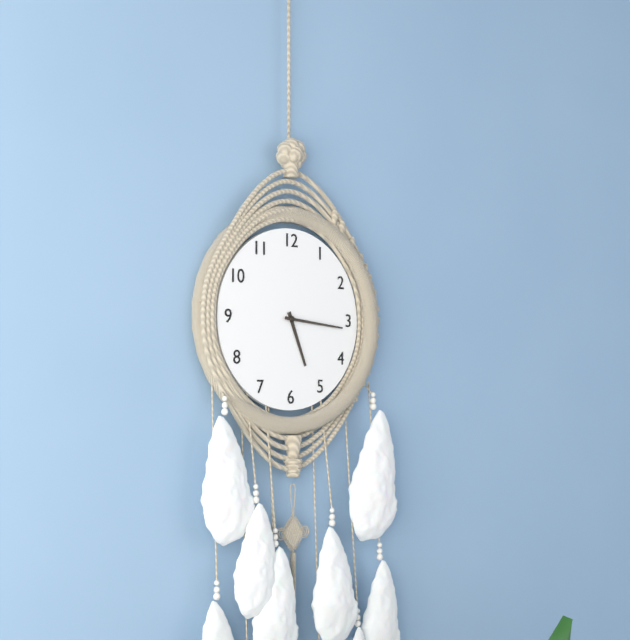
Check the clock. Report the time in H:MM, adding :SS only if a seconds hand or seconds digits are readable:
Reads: 5:16
